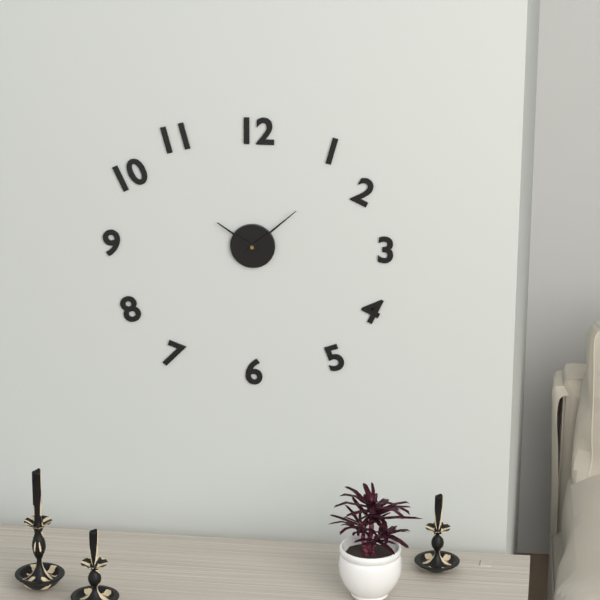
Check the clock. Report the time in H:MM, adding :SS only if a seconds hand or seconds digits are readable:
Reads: 10:08
